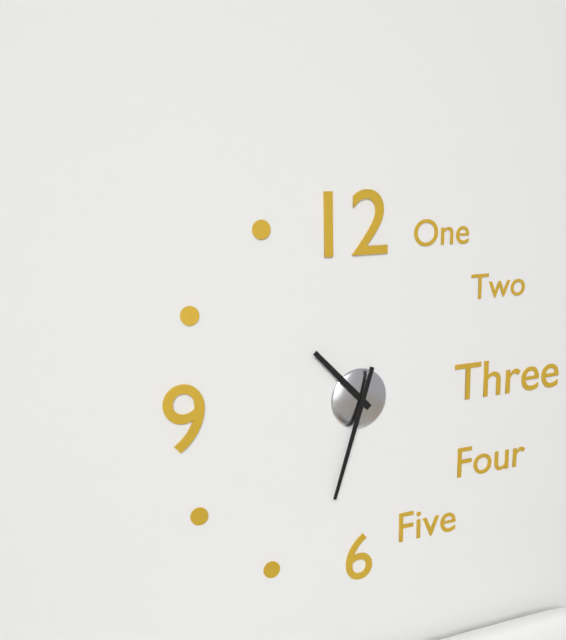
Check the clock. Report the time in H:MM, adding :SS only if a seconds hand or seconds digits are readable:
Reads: 10:33
